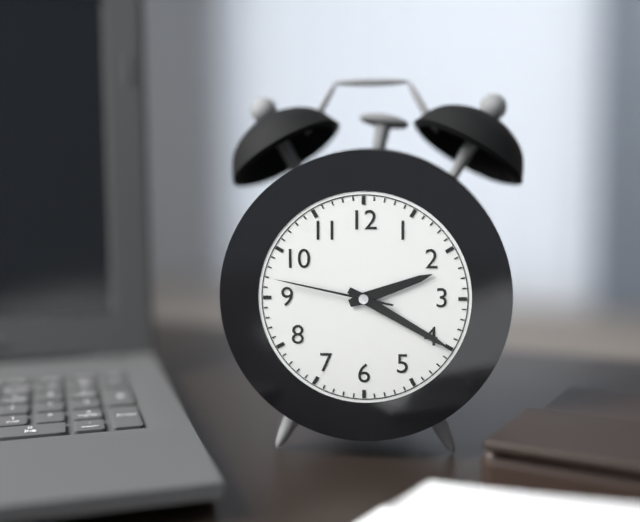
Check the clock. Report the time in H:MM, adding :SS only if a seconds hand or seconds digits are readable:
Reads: 2:20:47
